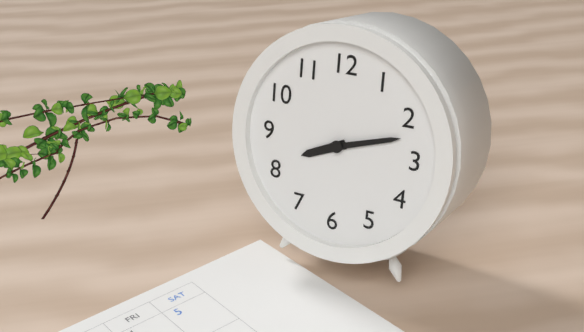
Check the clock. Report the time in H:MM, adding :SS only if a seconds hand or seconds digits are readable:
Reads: 8:12
